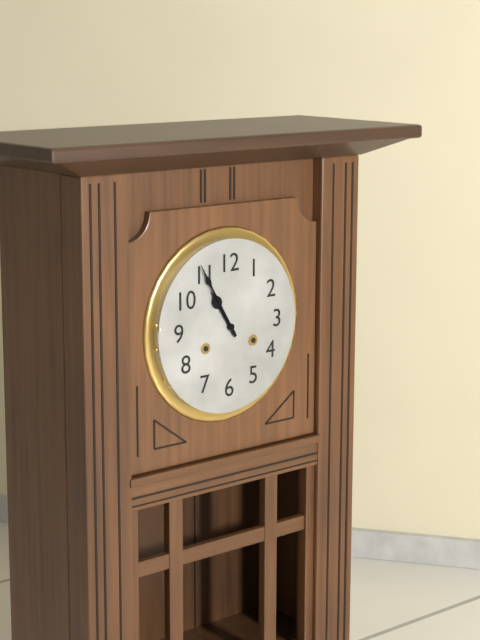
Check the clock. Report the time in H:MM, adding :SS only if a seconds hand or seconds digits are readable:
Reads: 10:55
